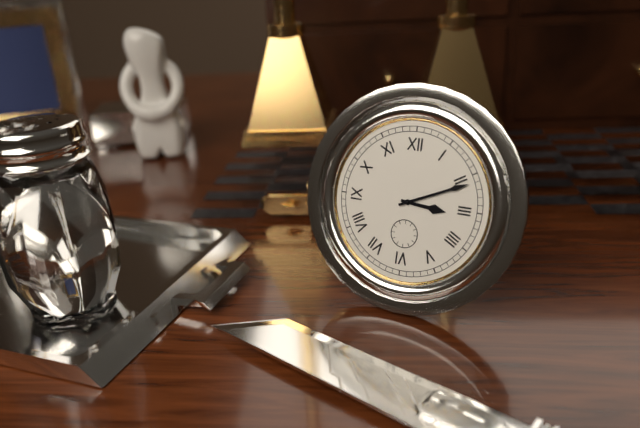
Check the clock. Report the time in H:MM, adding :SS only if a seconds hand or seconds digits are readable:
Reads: 3:11
